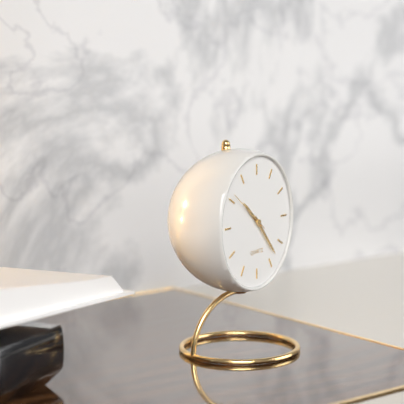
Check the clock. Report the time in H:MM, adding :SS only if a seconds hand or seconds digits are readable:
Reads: 10:23
